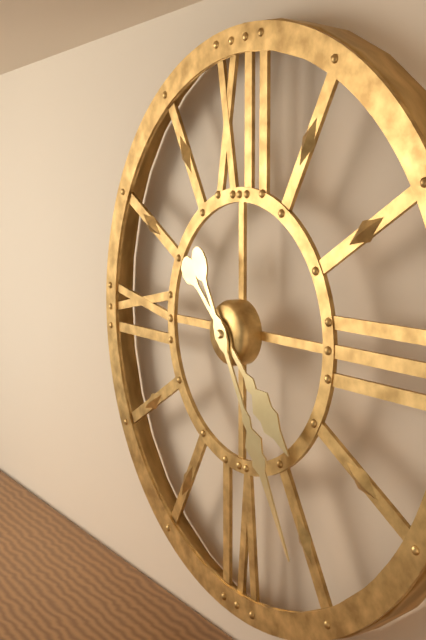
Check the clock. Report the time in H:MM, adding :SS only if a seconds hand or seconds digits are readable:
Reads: 4:25
